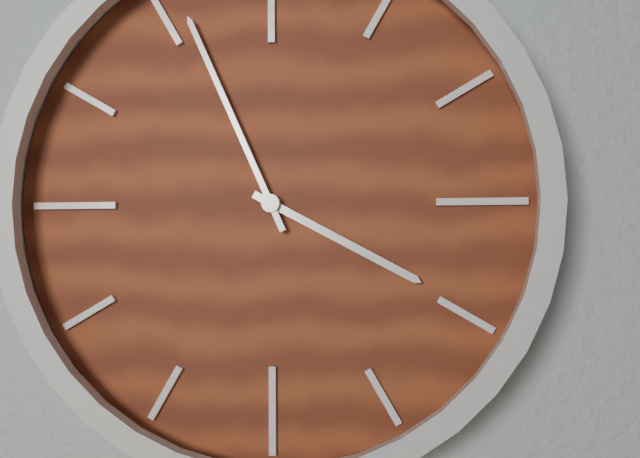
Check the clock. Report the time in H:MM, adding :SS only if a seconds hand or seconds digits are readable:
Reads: 3:56
